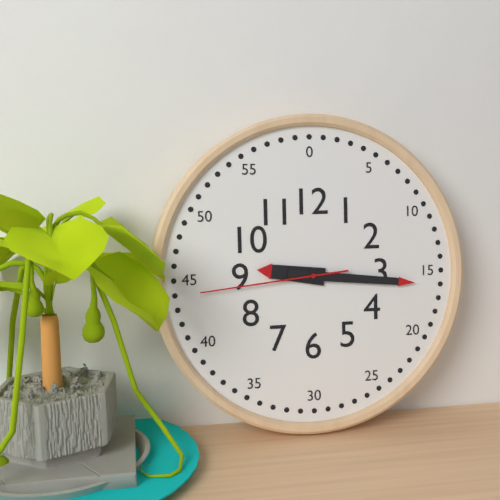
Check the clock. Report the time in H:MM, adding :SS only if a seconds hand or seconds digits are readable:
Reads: 9:16:44
